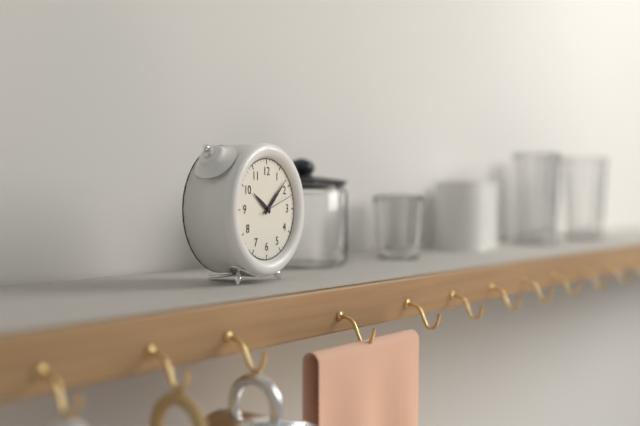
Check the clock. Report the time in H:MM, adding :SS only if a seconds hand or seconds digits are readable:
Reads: 10:08
